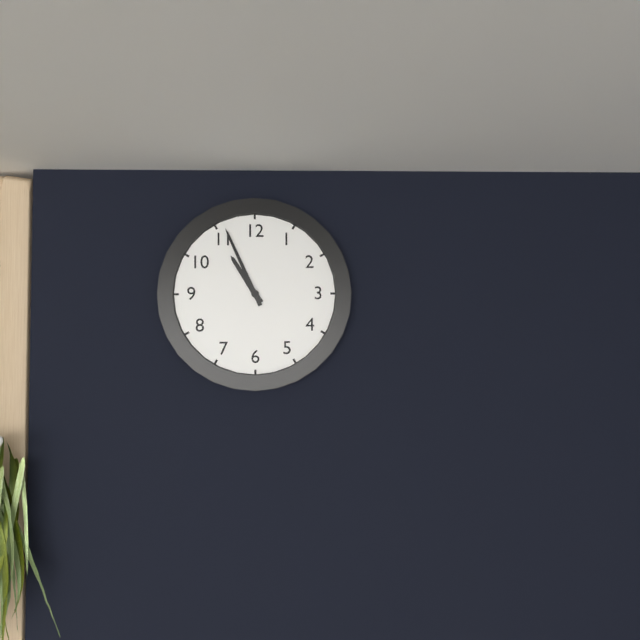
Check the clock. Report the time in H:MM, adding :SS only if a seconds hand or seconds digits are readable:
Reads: 10:56
